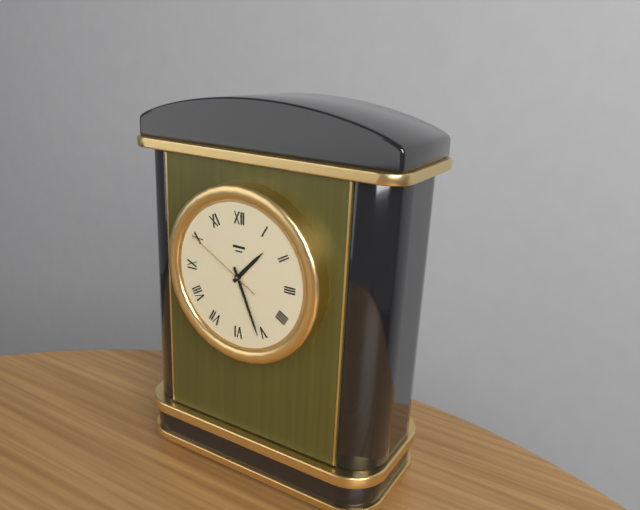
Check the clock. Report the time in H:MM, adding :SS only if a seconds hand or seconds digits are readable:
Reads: 1:26:50
